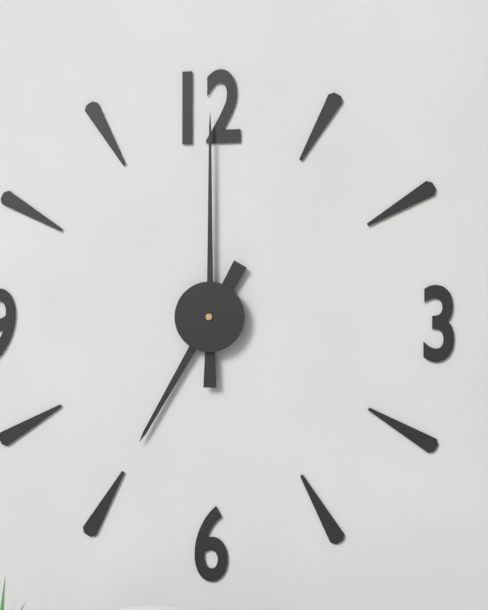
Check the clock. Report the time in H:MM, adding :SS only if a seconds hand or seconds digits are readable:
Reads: 7:00
